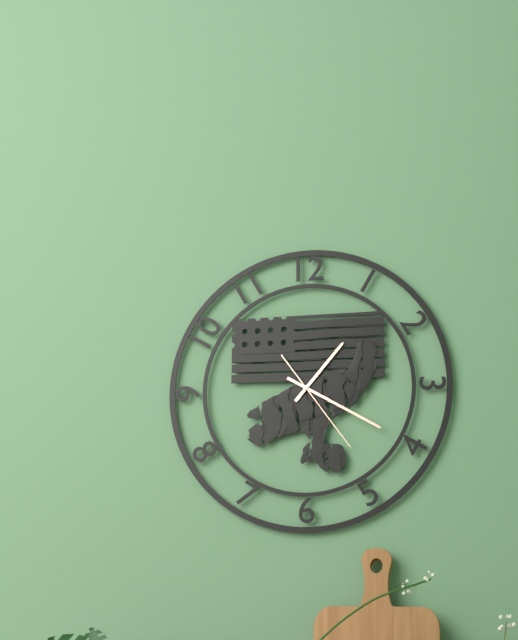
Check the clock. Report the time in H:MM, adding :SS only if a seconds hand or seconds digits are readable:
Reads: 1:20:24
